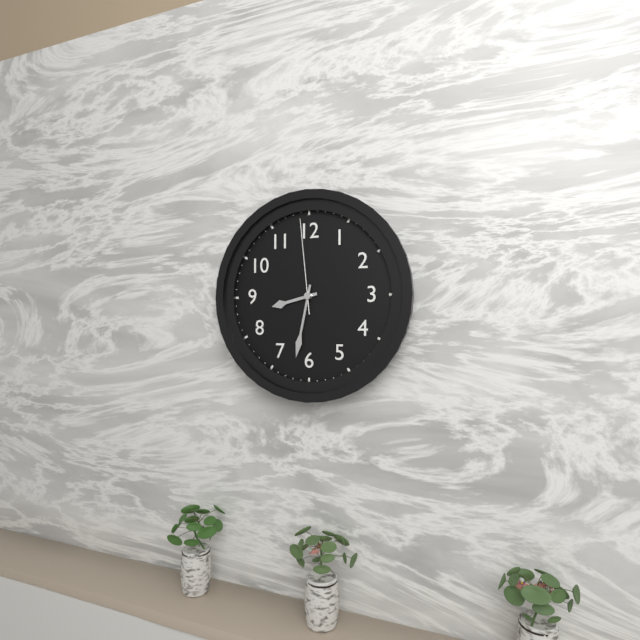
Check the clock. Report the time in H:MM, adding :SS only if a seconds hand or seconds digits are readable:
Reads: 8:32:59
